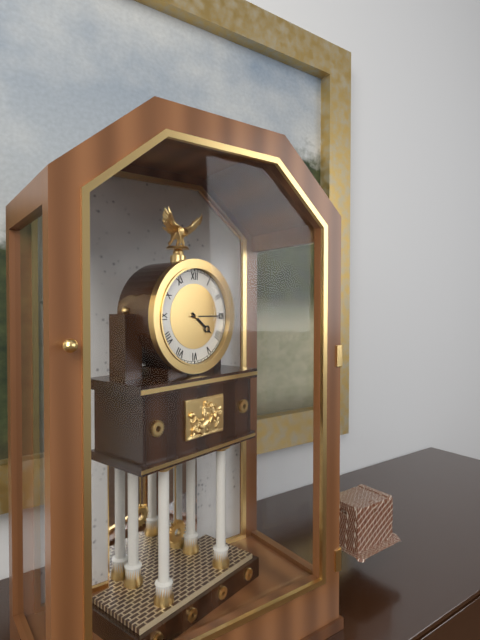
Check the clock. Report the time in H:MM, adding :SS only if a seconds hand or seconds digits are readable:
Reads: 4:15
